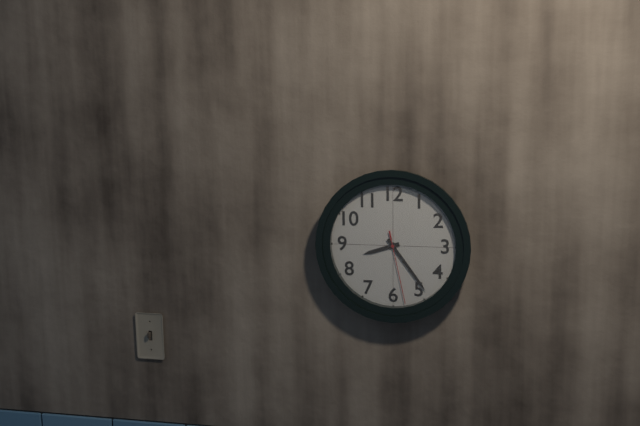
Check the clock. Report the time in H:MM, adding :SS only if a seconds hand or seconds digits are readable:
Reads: 8:24:28
